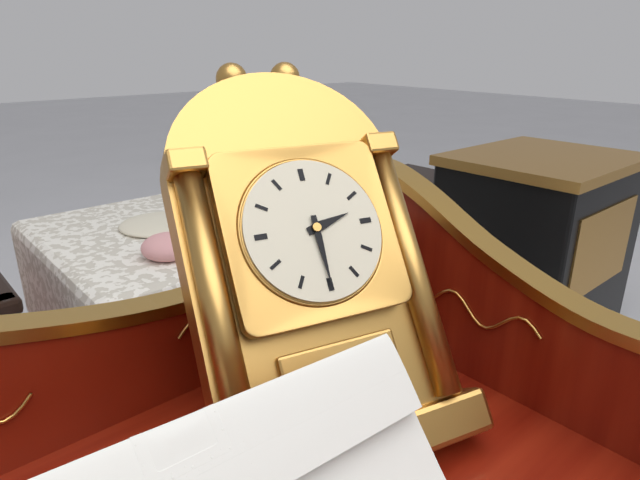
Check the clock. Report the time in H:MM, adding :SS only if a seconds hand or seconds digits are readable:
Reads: 2:30
